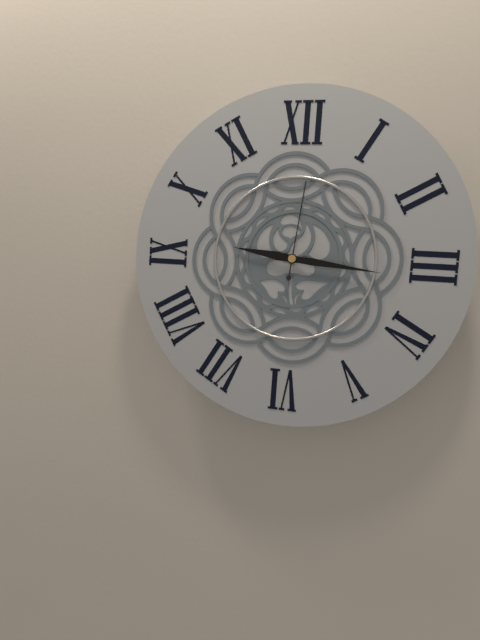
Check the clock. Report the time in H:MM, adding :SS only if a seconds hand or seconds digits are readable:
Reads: 9:16:01
